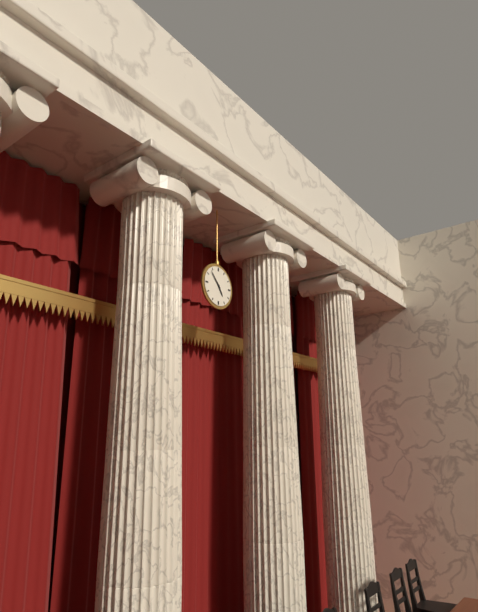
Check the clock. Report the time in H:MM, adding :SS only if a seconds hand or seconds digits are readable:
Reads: 4:53
